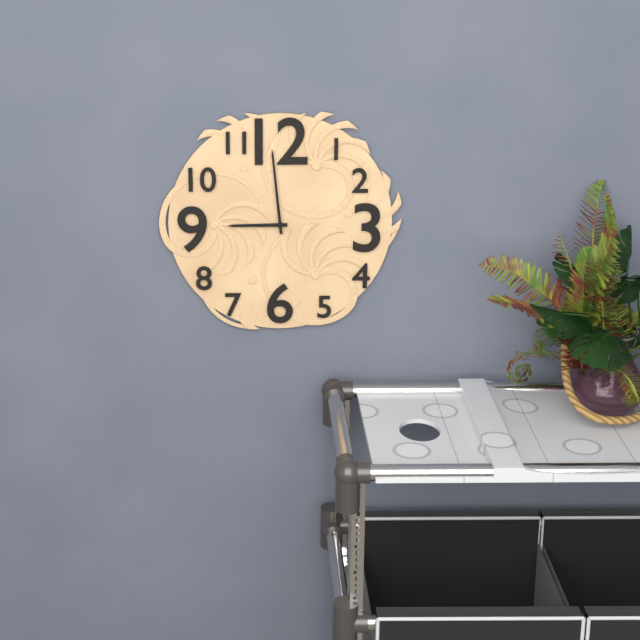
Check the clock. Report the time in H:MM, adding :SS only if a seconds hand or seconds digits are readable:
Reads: 8:59
